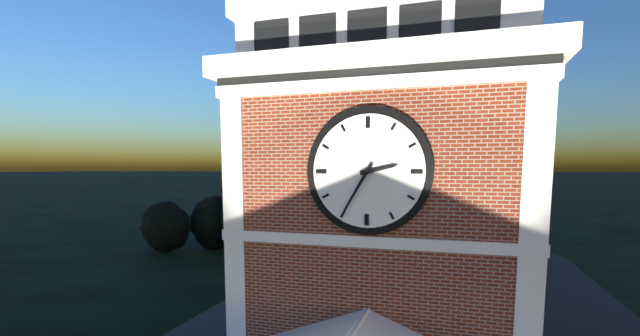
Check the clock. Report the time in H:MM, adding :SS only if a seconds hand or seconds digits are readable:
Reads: 2:35
